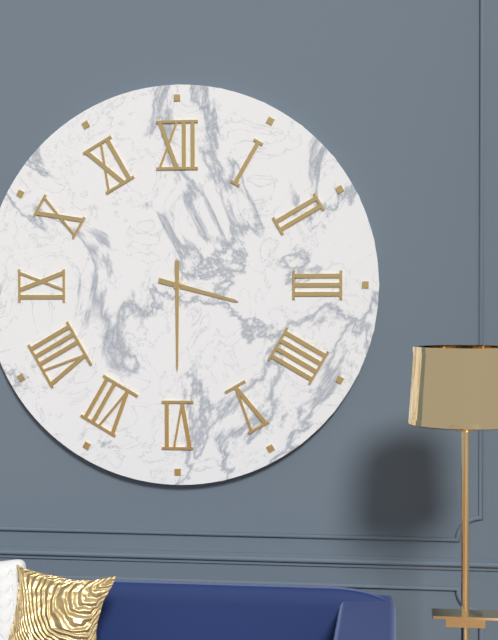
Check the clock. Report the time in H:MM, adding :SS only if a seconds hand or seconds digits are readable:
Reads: 3:30
